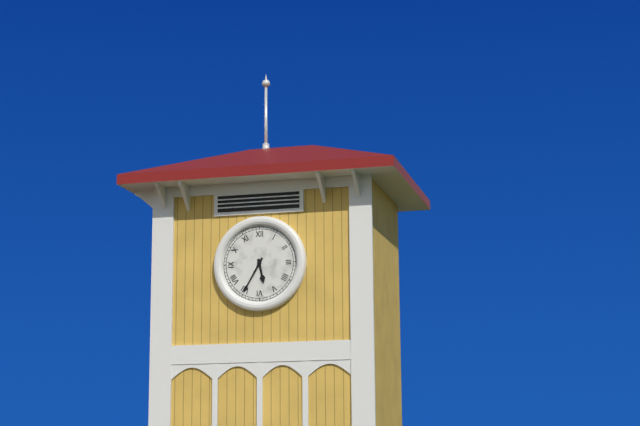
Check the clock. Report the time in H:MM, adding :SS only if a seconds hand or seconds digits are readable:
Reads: 5:35
